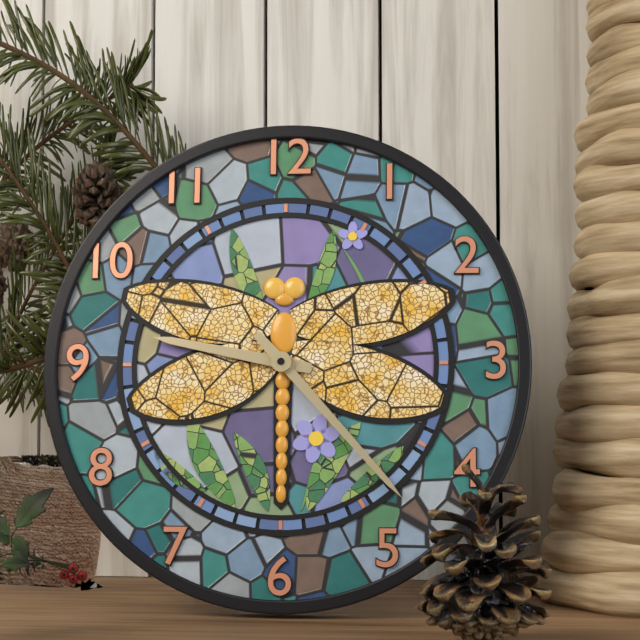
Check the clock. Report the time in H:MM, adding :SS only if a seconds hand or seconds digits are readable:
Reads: 9:23
